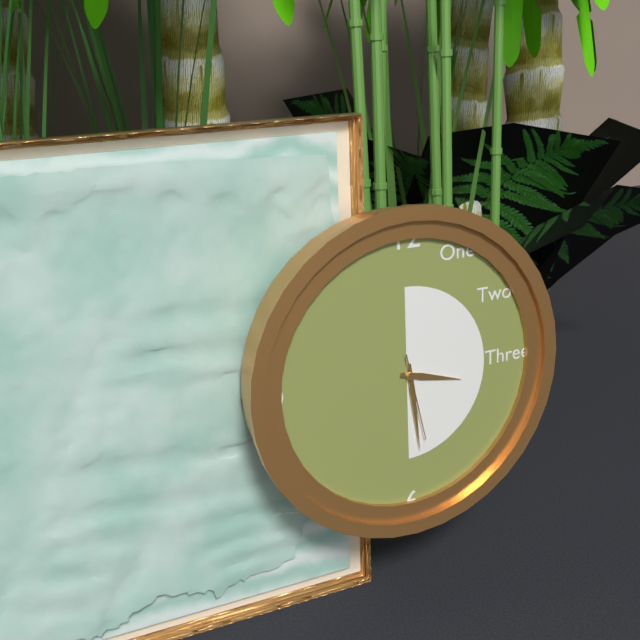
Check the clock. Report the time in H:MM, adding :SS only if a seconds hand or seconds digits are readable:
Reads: 3:29:28
